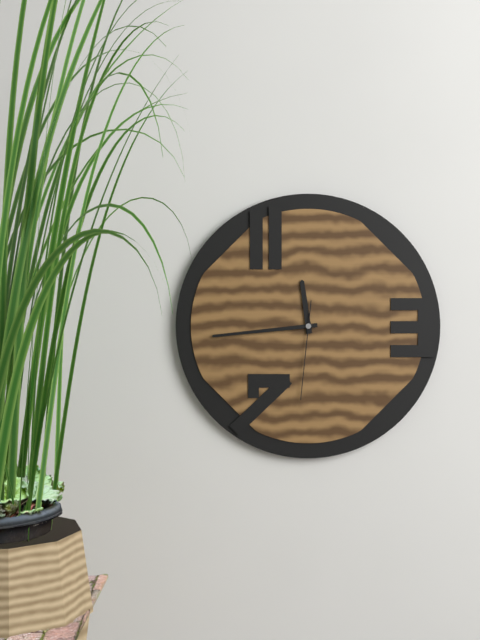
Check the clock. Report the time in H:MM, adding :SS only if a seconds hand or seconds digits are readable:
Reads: 11:44:31
